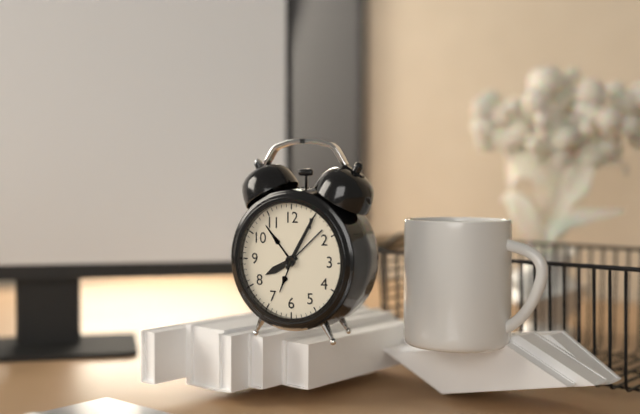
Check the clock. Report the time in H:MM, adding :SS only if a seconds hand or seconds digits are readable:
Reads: 8:05
